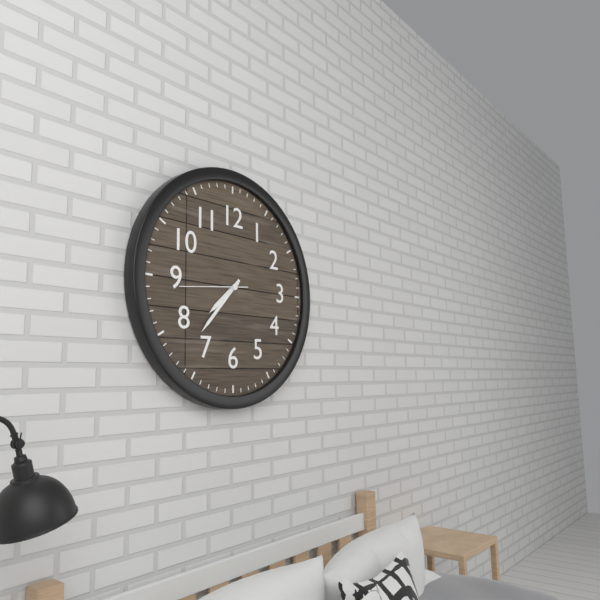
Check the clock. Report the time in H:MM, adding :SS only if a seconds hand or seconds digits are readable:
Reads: 7:37:44
